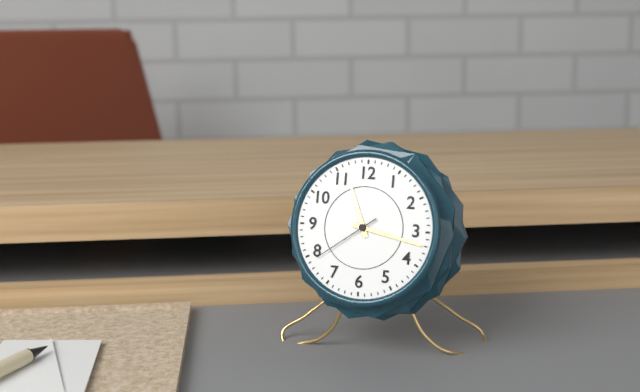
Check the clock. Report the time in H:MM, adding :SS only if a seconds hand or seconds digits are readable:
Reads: 11:17:39
